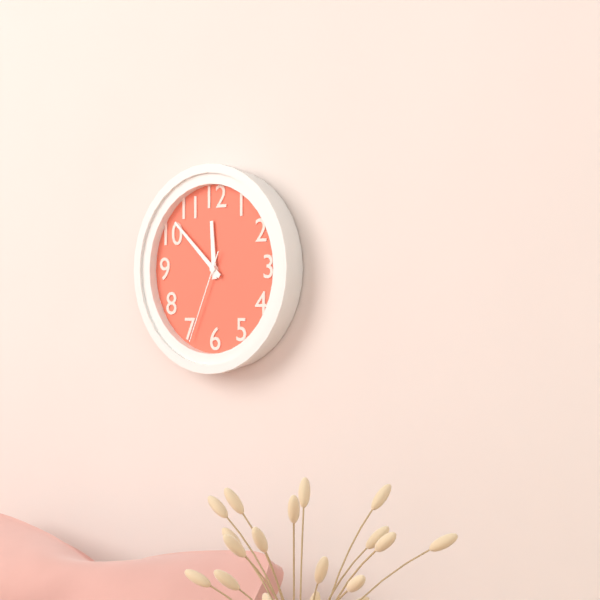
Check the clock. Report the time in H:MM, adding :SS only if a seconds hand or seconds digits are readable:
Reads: 11:52:34
